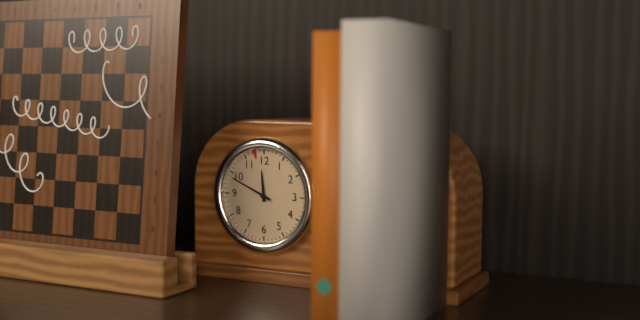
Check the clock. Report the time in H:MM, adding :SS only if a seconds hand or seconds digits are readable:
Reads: 11:49
